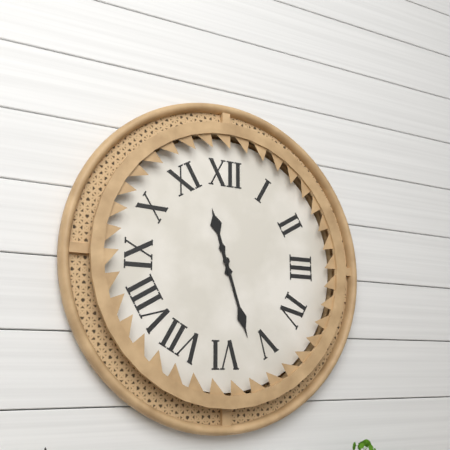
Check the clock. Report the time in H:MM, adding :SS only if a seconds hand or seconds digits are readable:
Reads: 11:27
